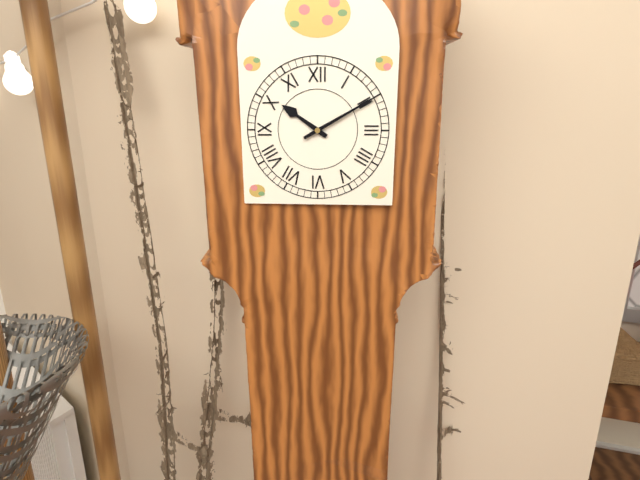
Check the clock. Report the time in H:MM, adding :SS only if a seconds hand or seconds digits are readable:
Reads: 10:10
